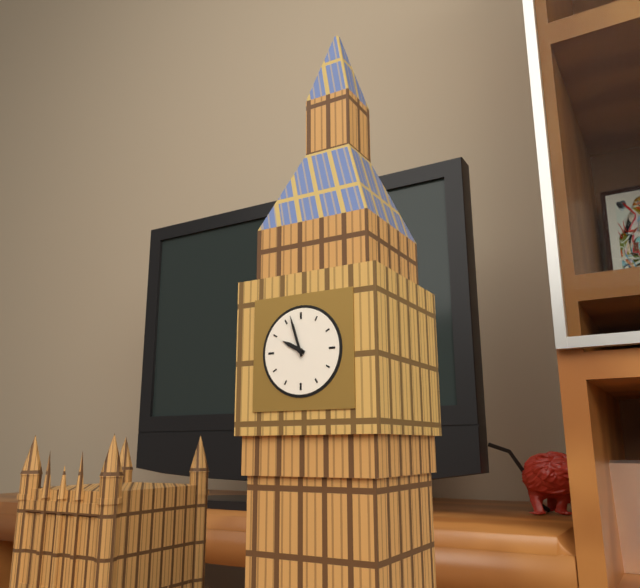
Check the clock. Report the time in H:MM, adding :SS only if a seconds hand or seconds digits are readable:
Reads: 9:57
